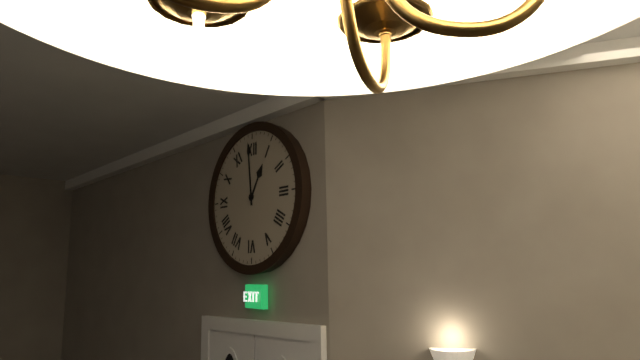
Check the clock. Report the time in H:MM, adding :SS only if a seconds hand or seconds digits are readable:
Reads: 12:59
